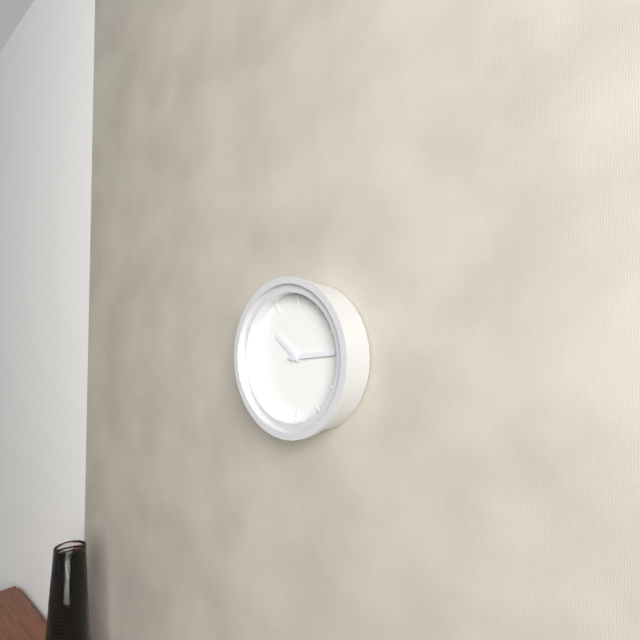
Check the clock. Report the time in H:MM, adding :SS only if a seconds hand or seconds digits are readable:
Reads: 10:14
